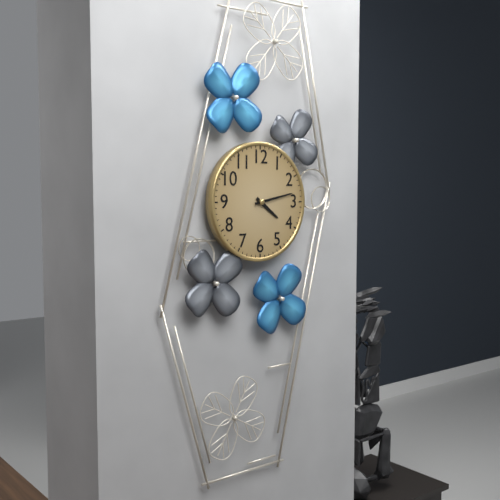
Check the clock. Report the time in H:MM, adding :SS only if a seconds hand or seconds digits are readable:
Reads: 4:13
